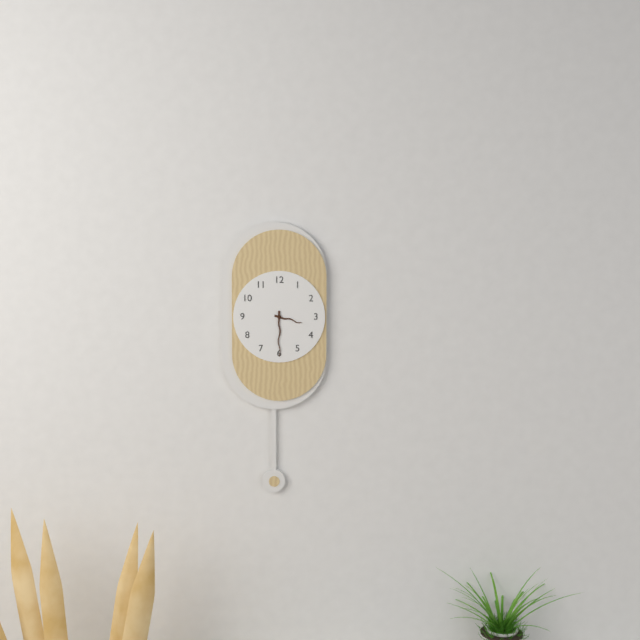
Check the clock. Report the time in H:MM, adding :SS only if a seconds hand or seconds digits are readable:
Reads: 3:30
